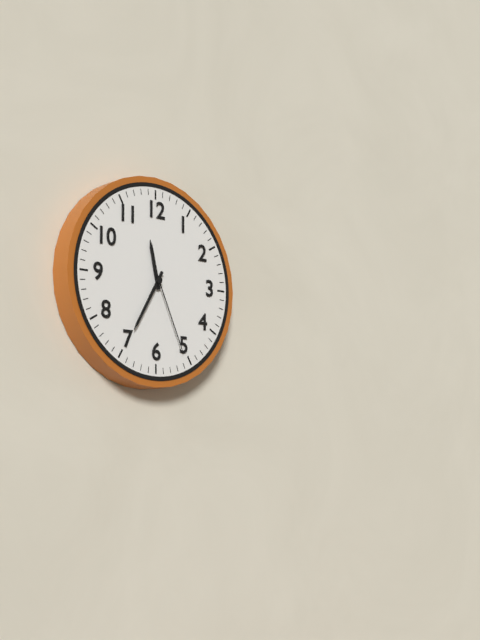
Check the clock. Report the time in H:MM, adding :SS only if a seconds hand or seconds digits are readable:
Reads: 11:35:26
